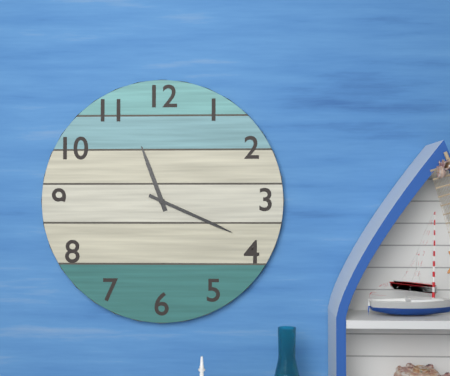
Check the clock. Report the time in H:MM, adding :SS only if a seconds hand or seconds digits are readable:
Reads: 11:19
